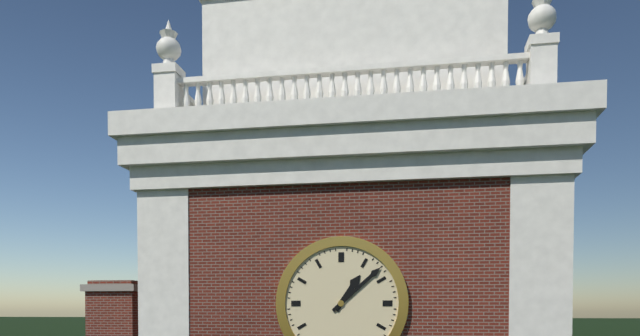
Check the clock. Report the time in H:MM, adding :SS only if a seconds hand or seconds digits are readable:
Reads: 1:08
